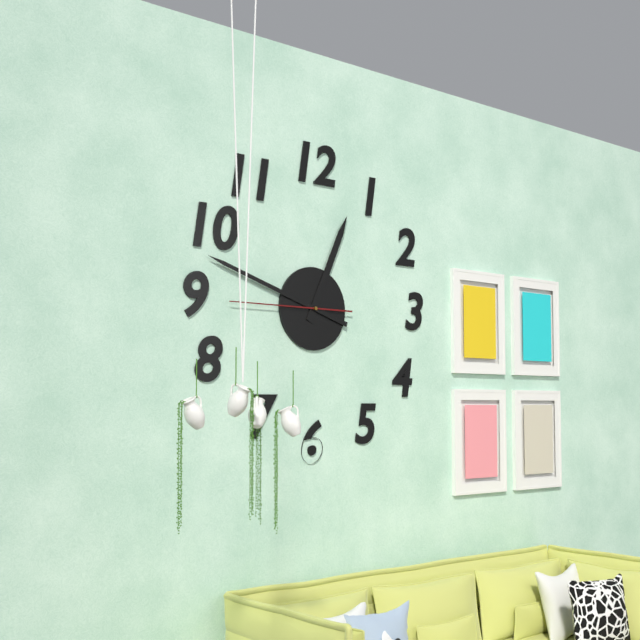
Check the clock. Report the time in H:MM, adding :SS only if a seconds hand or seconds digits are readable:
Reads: 12:48:45
